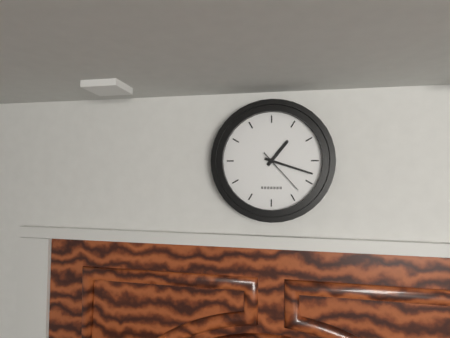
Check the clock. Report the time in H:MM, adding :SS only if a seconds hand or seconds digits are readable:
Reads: 1:18:23
